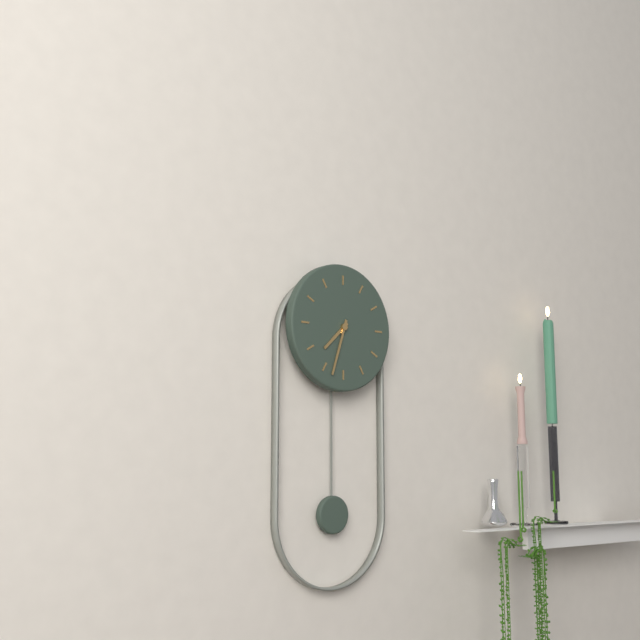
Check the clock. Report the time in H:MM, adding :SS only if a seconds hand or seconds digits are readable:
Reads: 7:33
